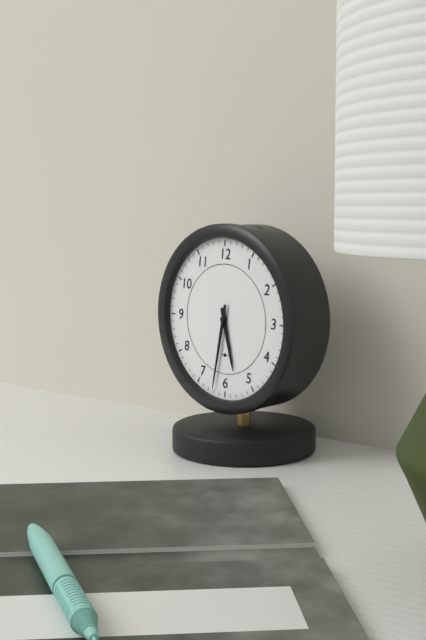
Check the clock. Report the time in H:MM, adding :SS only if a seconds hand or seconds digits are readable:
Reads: 5:32
